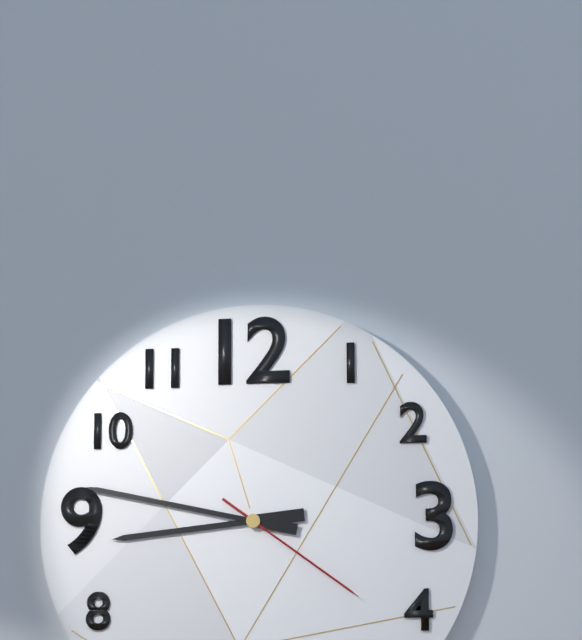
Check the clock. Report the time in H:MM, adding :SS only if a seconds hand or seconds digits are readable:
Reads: 8:47:21
